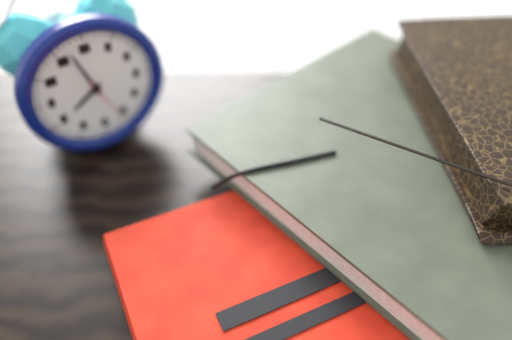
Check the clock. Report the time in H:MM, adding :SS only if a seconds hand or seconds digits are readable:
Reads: 7:57:26
